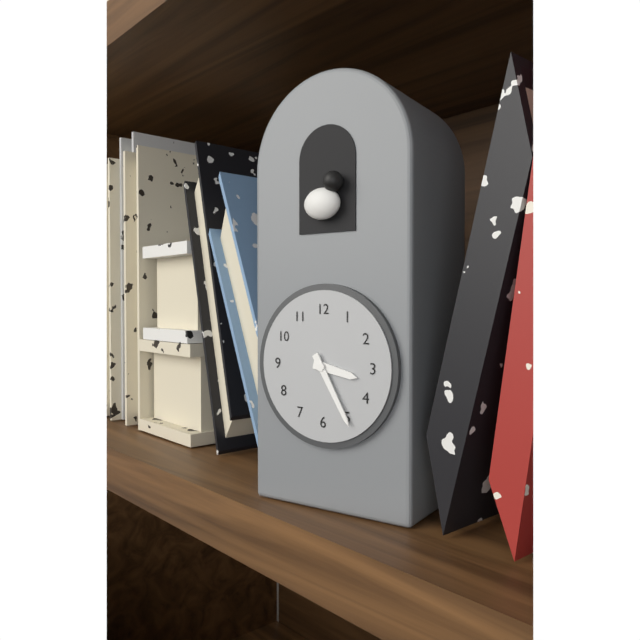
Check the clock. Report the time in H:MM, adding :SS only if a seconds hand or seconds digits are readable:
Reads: 3:25
